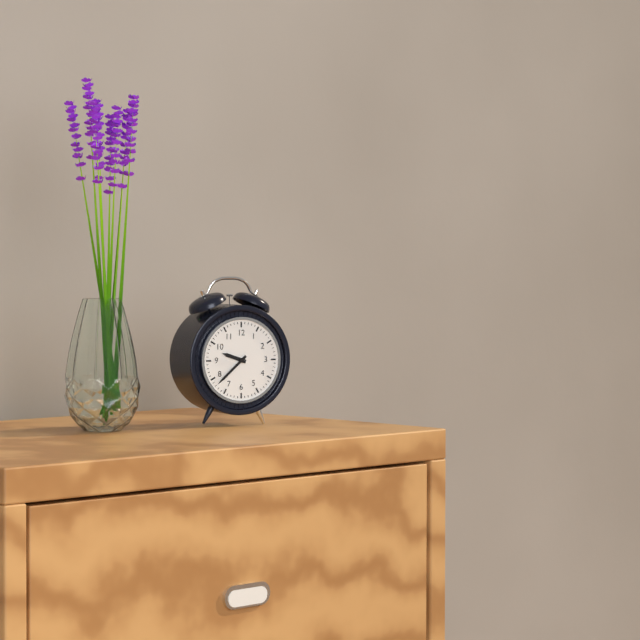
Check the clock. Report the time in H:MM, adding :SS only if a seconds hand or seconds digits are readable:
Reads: 9:38
